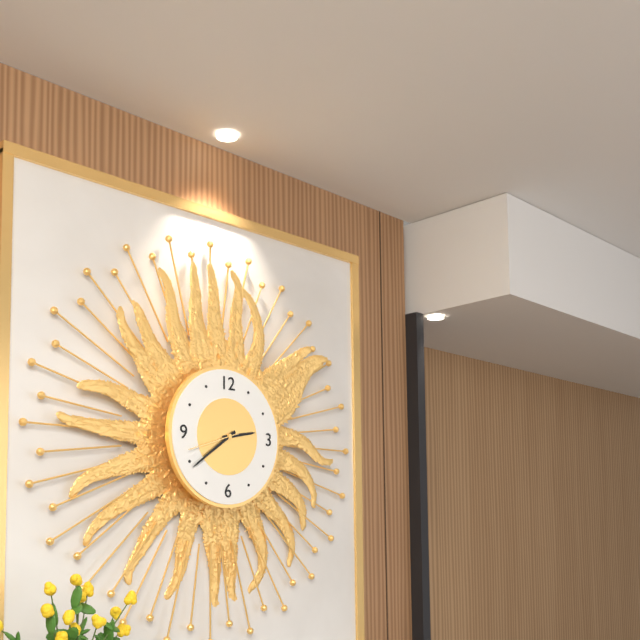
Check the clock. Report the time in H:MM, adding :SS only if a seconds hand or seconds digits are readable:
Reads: 2:39:42
